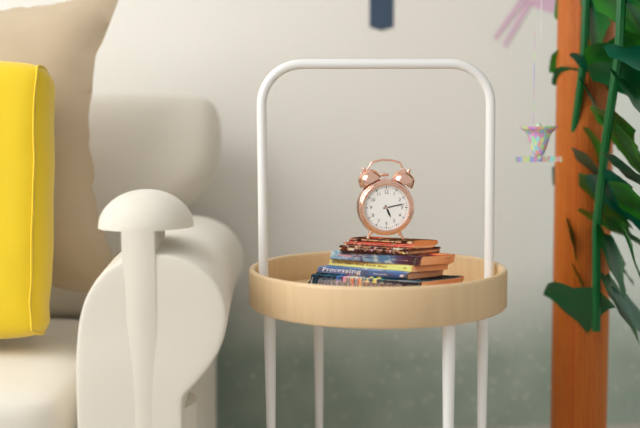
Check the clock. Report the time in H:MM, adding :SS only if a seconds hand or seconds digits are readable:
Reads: 5:13
